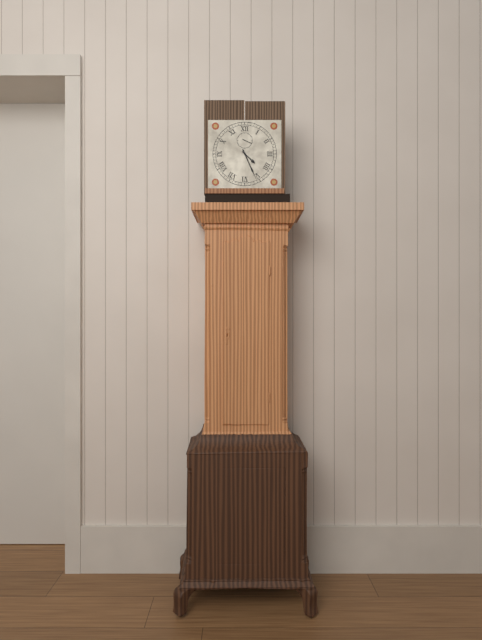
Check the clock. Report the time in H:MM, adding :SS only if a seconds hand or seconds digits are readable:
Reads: 4:26
